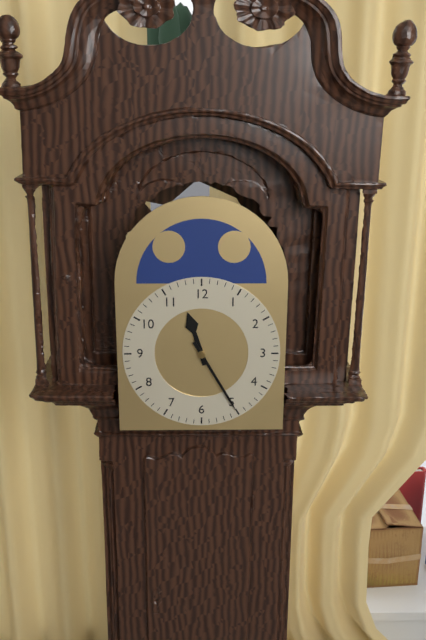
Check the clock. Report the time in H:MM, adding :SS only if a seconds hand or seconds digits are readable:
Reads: 11:25
